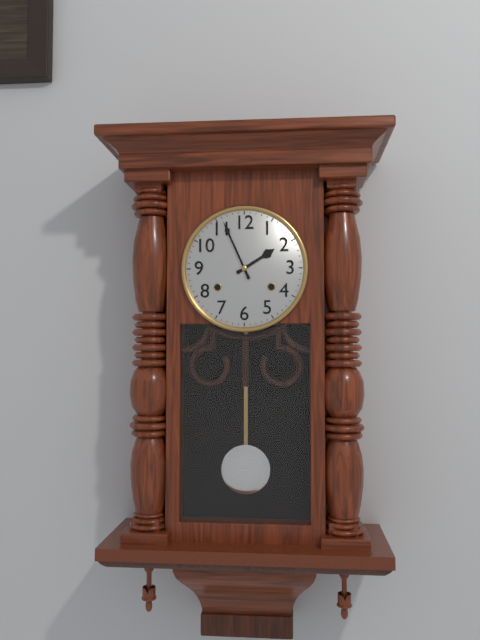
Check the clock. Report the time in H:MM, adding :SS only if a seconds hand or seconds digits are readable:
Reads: 1:56
